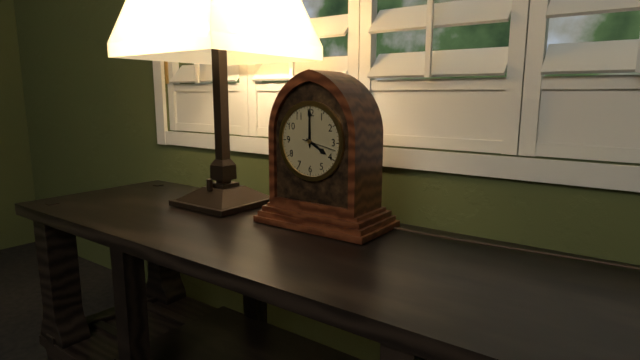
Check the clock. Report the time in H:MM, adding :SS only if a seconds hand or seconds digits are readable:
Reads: 4:00
